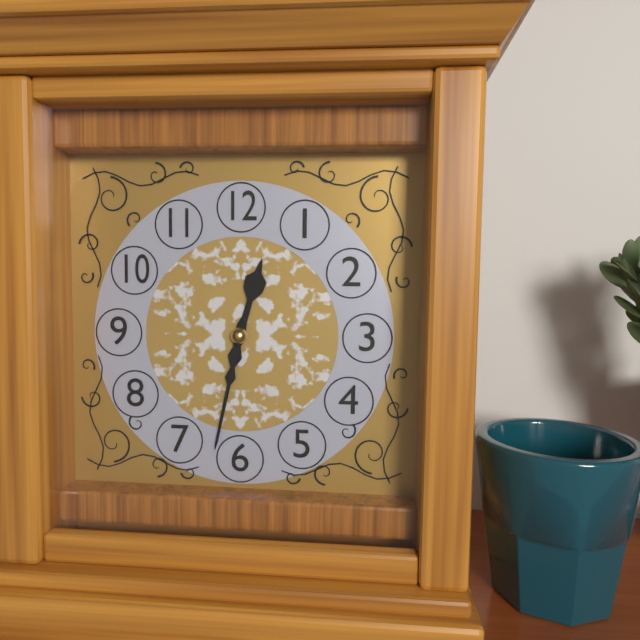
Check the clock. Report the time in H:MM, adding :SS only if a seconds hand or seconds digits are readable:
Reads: 12:32
